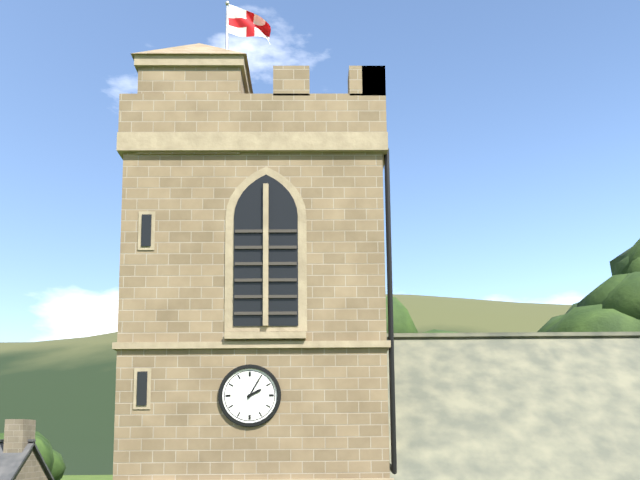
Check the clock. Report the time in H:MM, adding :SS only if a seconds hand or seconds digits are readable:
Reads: 2:05
